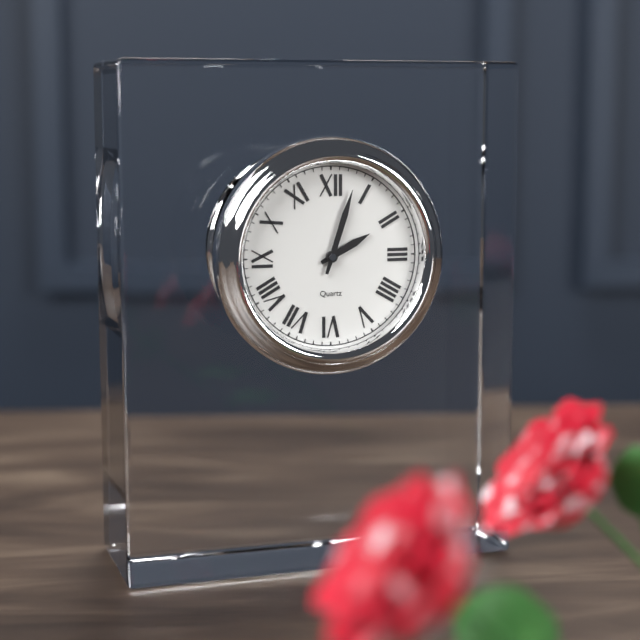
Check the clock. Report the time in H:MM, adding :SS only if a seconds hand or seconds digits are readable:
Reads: 2:03
